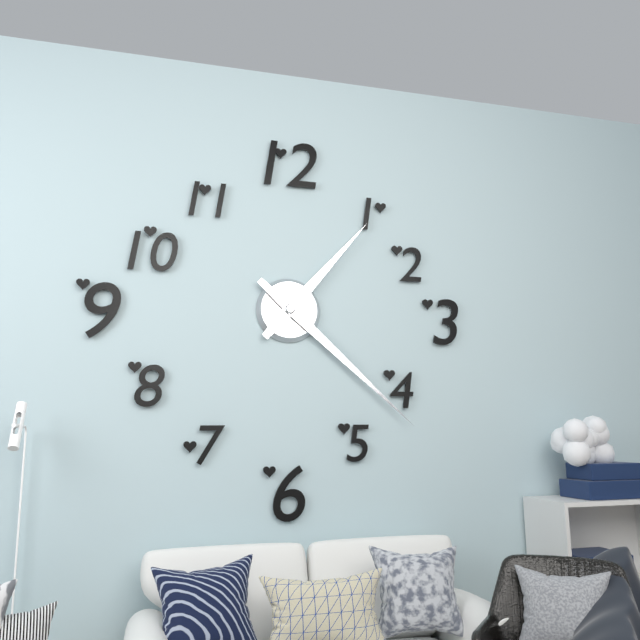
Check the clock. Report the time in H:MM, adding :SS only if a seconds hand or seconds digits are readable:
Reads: 1:22
